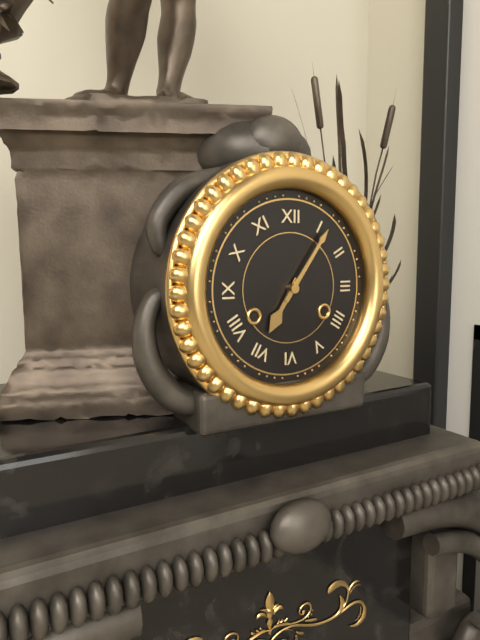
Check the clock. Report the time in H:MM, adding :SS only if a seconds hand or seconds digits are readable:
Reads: 7:06
